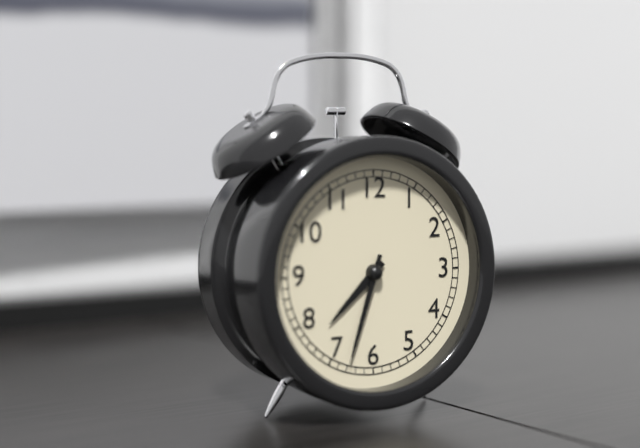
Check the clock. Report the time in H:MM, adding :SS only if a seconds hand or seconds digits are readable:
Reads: 7:33
